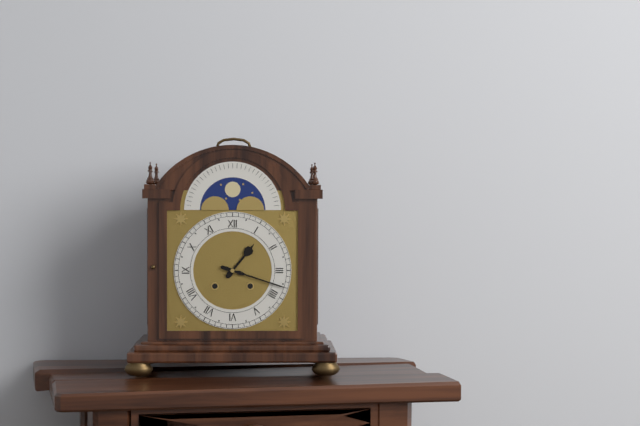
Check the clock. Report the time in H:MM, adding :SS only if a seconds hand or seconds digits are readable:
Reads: 1:18
